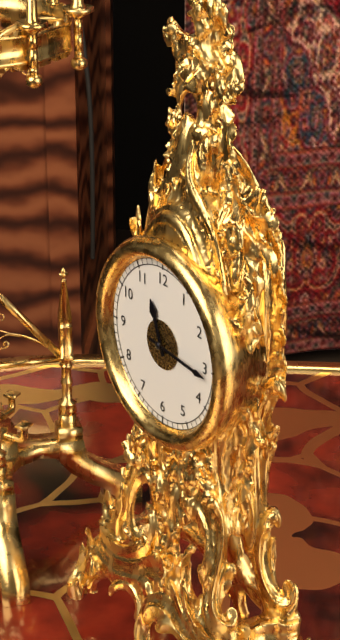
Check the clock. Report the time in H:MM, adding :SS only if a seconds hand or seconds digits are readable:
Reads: 11:16
